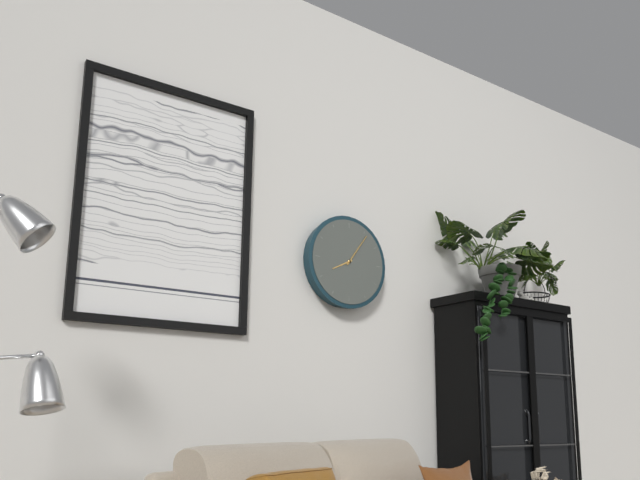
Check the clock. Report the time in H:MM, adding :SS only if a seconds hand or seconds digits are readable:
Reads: 8:06
